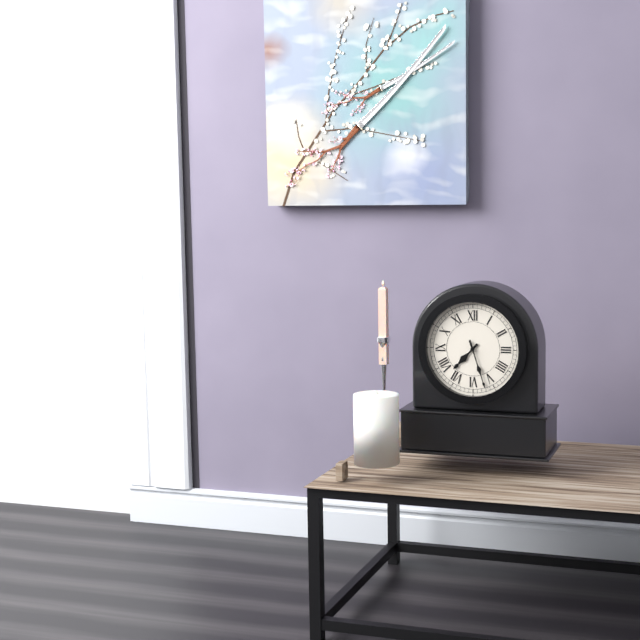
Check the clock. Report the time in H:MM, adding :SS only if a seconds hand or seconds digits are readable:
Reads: 7:27
